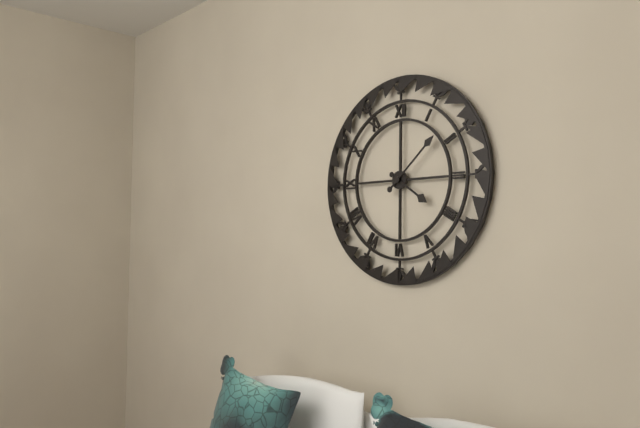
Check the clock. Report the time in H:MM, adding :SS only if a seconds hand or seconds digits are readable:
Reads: 4:08
